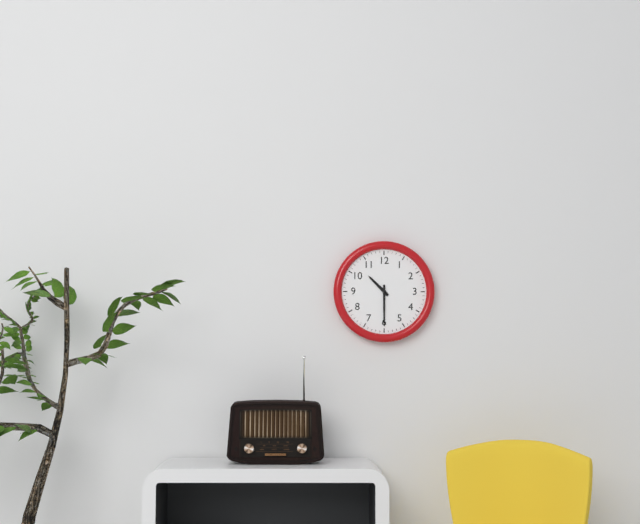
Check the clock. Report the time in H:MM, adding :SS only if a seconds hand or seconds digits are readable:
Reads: 10:30
